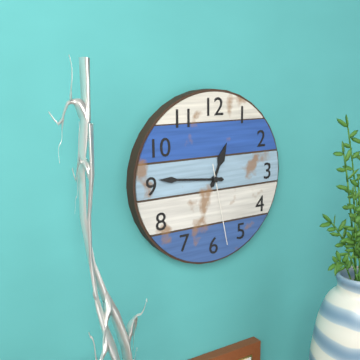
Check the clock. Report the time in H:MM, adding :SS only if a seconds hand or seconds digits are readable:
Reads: 12:46:28
